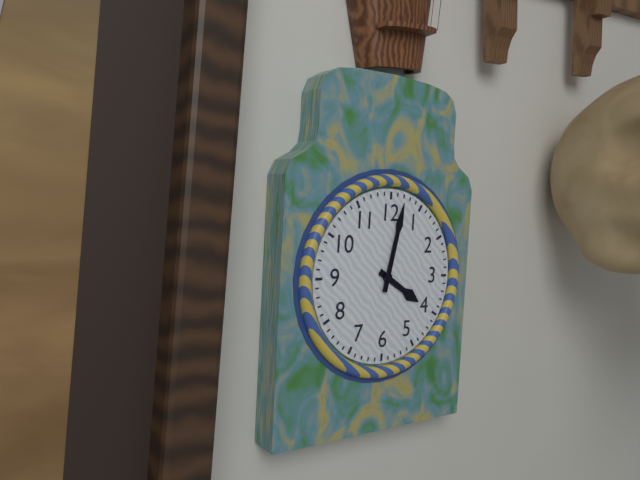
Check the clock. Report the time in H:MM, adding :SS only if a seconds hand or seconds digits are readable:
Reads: 4:02
